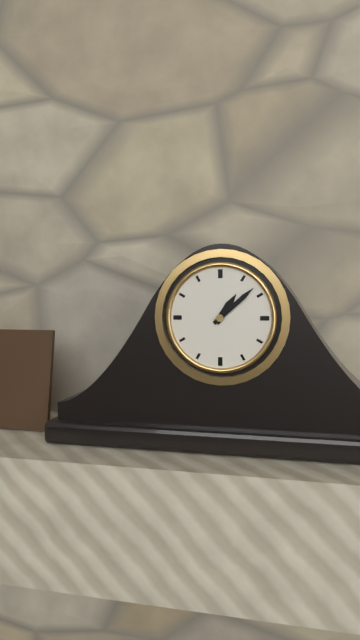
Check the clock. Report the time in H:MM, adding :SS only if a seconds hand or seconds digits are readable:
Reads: 1:08
